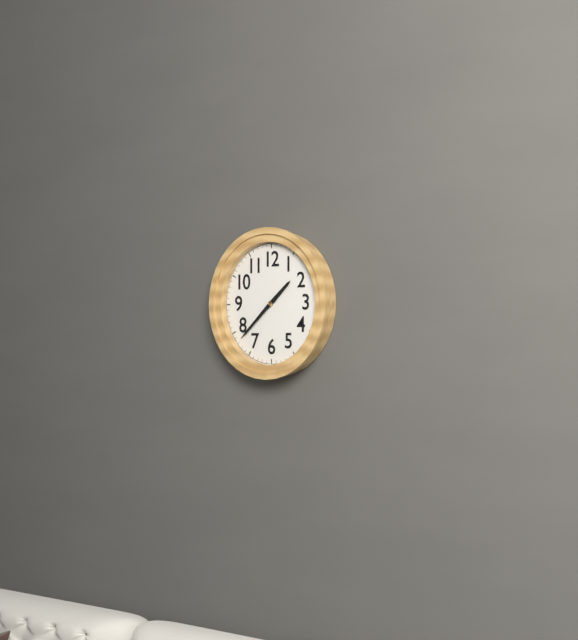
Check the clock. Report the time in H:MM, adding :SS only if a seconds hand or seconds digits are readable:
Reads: 1:38
